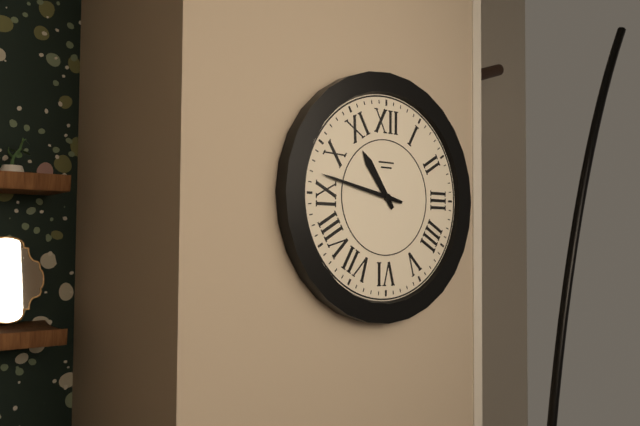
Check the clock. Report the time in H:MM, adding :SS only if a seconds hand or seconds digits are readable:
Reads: 10:47
